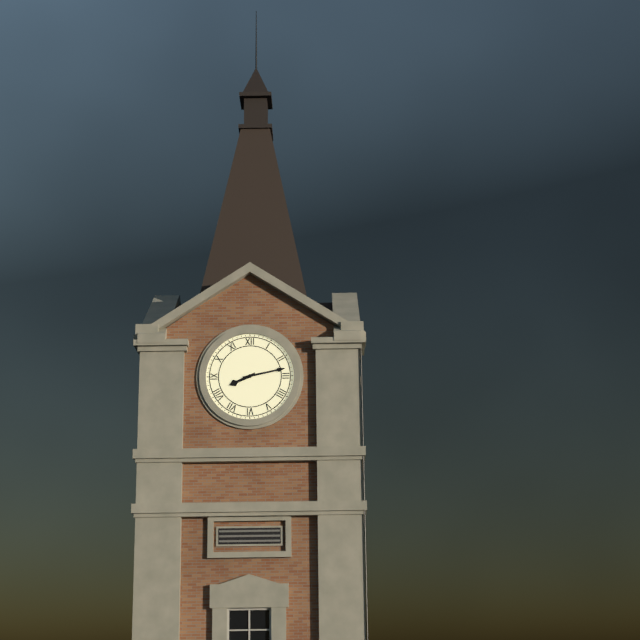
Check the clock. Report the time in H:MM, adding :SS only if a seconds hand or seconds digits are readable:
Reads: 8:13
